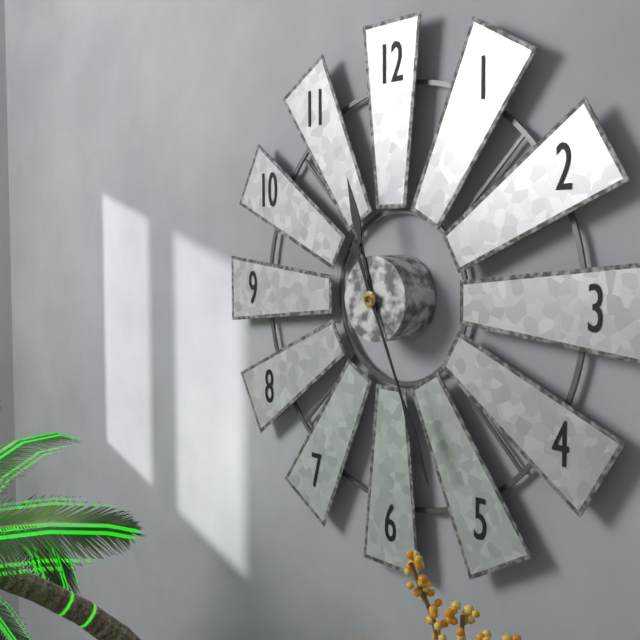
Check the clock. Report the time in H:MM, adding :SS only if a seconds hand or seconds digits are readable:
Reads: 11:26
